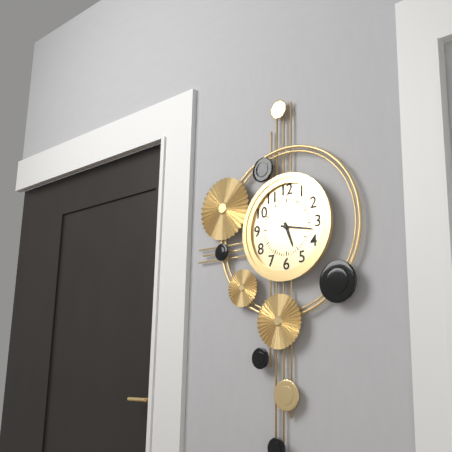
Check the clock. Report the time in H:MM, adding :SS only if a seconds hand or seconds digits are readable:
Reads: 5:17
